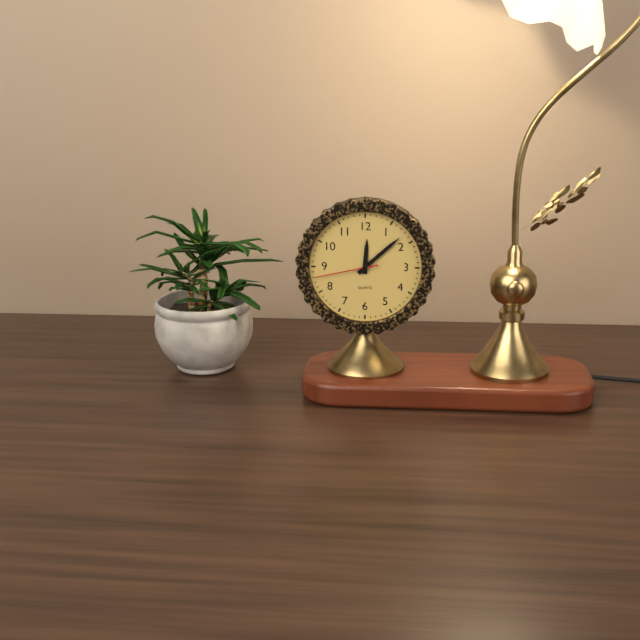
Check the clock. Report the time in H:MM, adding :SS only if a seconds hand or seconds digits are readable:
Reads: 12:08:43
